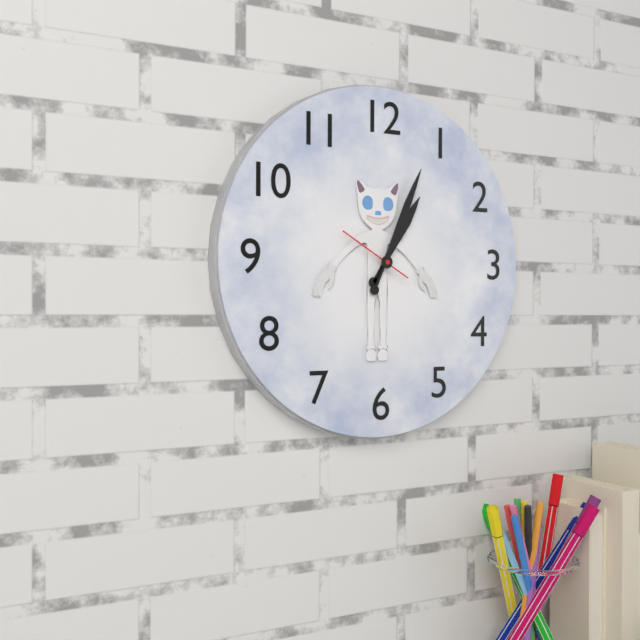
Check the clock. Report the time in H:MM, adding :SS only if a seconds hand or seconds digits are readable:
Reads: 1:04:50
